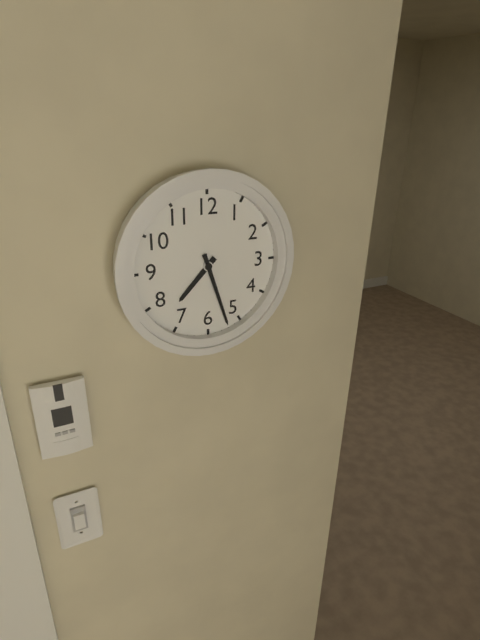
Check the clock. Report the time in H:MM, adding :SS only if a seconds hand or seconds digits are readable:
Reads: 7:27
